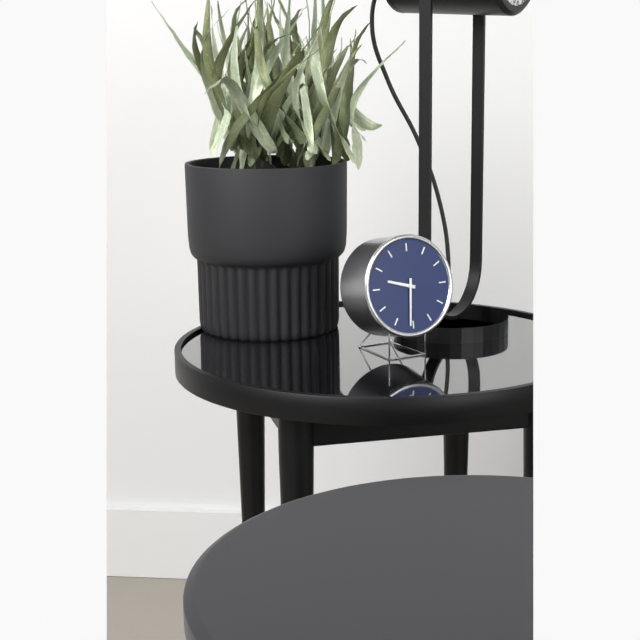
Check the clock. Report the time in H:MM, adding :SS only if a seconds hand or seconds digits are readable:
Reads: 9:31
